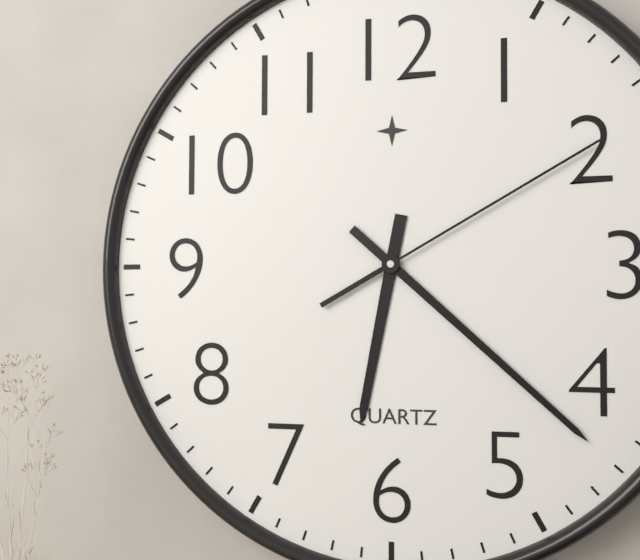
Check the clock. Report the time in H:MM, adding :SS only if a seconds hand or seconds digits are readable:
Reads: 6:22:10
